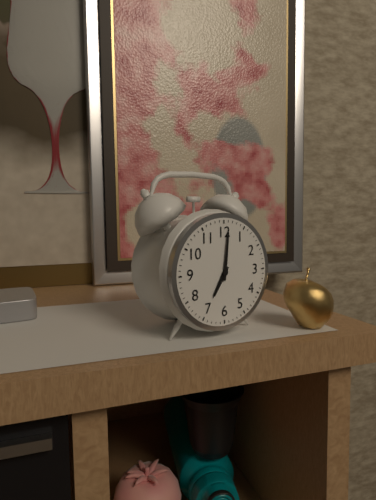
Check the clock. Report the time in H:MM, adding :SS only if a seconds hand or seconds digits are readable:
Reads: 7:01
